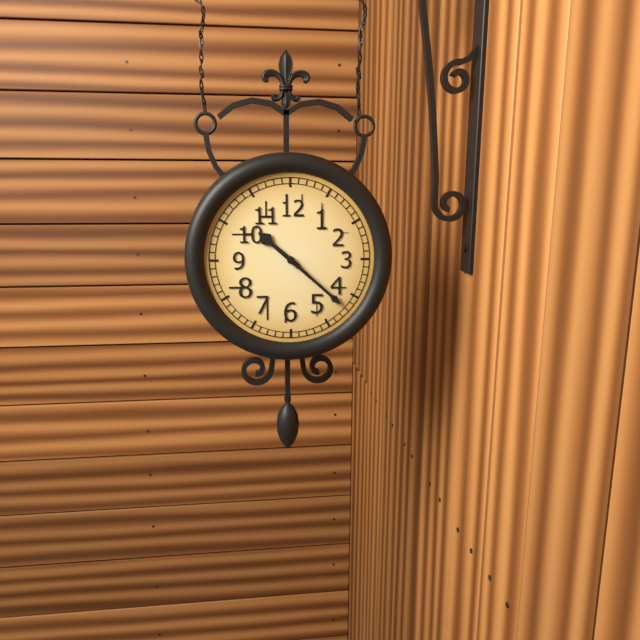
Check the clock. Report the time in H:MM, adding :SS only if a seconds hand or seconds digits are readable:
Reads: 10:22
